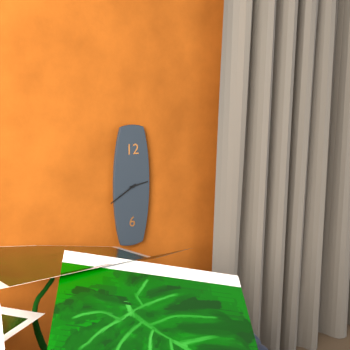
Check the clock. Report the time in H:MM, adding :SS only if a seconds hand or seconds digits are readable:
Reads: 2:40
